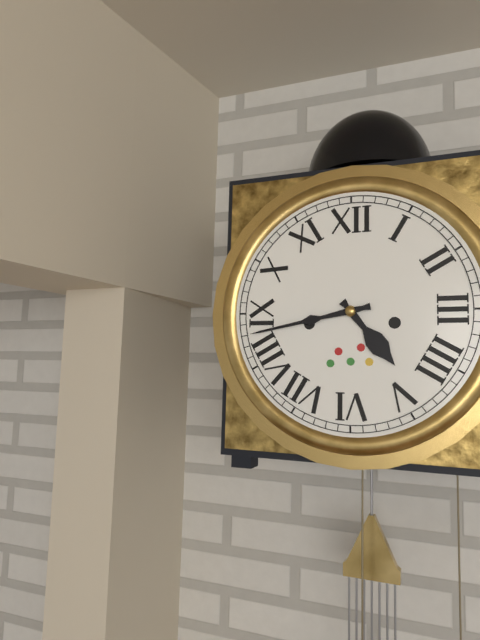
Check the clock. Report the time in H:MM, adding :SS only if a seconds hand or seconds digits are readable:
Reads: 4:43
